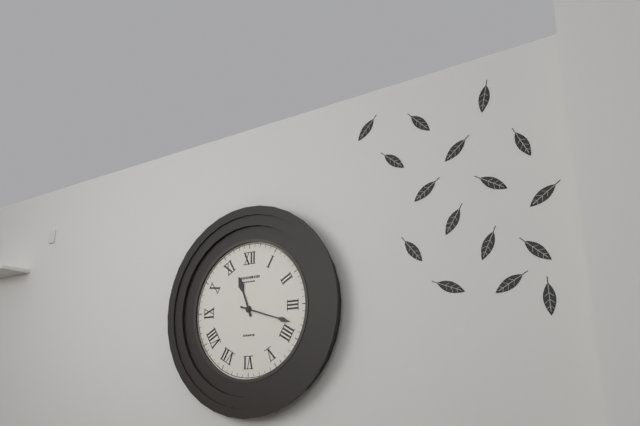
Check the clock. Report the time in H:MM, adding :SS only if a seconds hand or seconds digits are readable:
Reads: 11:18
